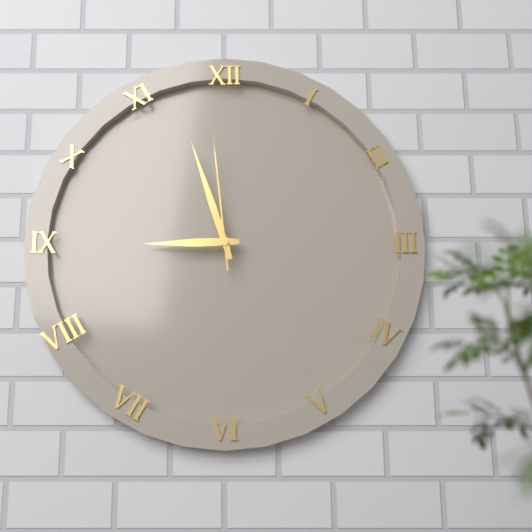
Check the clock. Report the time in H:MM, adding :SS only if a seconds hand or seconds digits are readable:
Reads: 8:57:59
